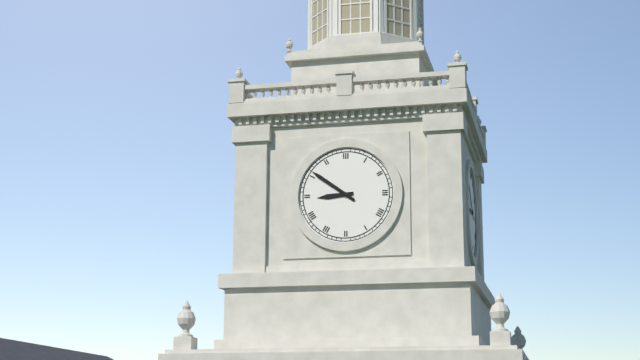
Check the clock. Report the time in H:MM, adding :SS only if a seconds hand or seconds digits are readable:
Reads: 8:51
